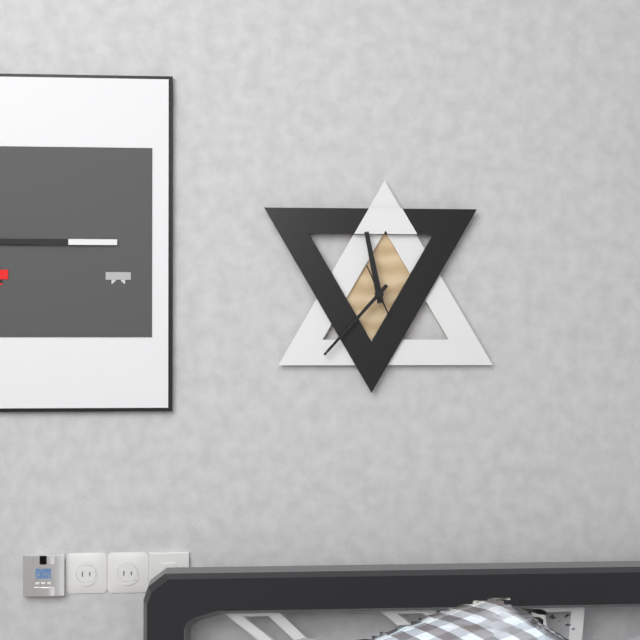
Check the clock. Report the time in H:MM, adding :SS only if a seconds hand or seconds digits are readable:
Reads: 11:37
